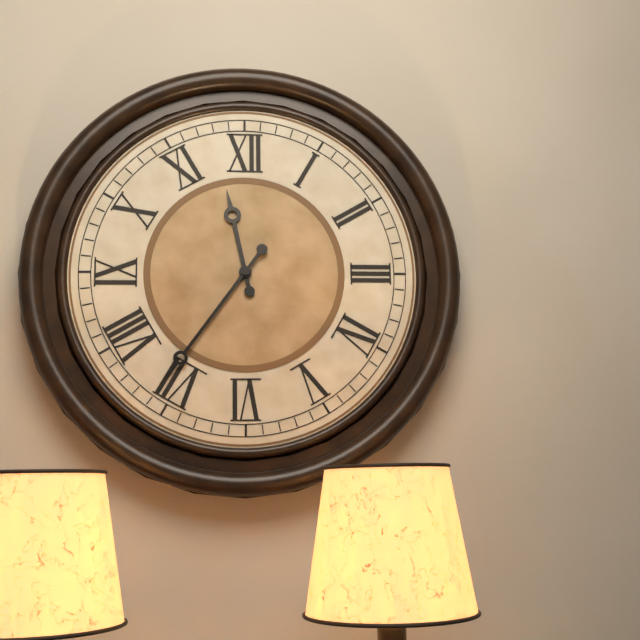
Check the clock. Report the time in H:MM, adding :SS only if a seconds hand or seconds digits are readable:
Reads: 11:36
